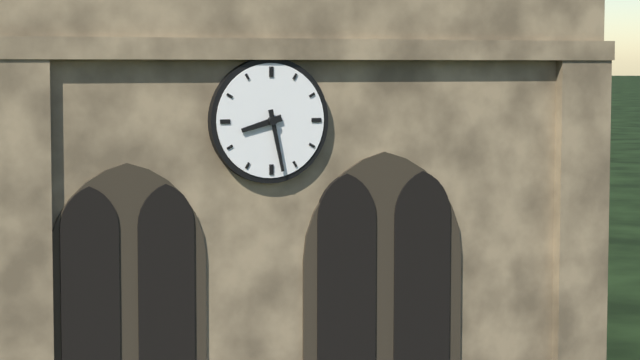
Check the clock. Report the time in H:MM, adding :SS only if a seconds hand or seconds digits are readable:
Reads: 8:28
